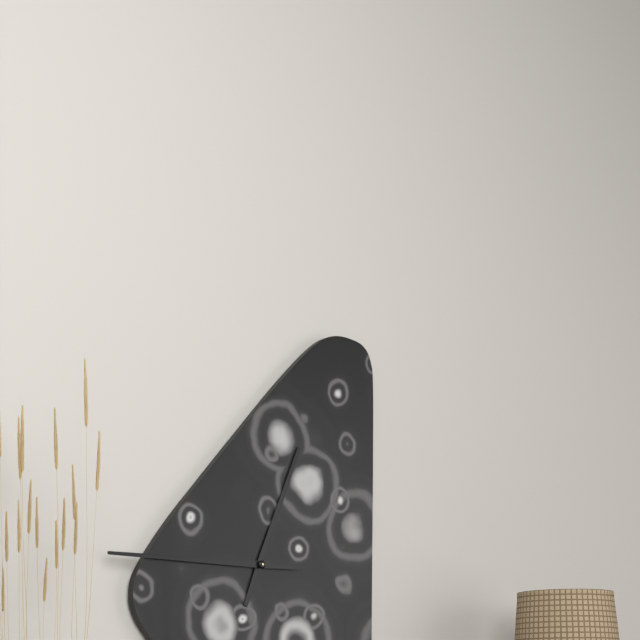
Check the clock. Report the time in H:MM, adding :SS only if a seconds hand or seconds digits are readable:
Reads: 12:45
